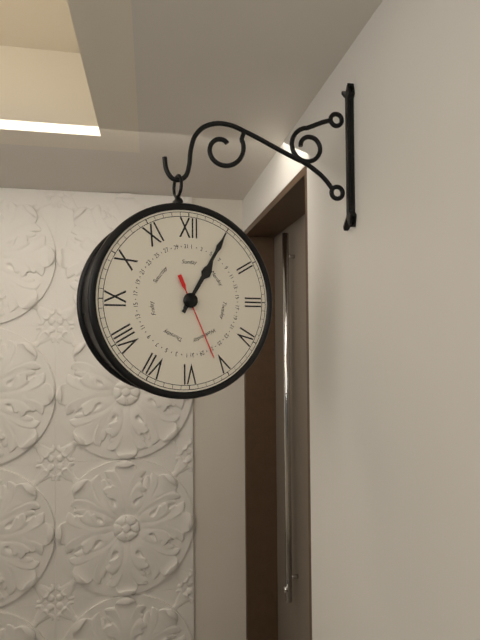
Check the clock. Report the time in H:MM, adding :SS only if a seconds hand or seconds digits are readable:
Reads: 1:05:26
